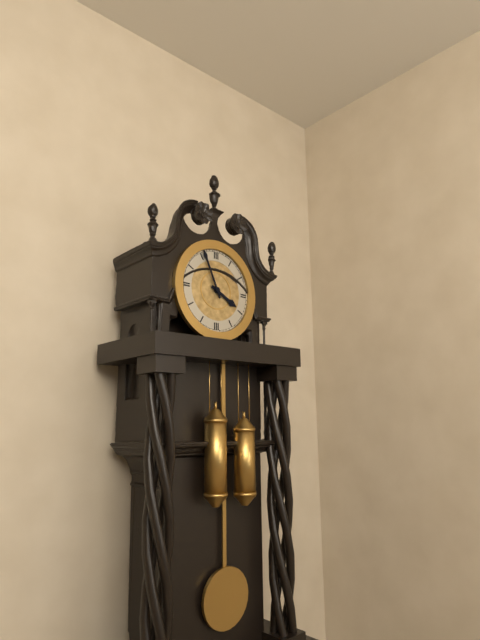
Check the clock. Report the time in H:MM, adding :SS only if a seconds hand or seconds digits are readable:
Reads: 3:56
